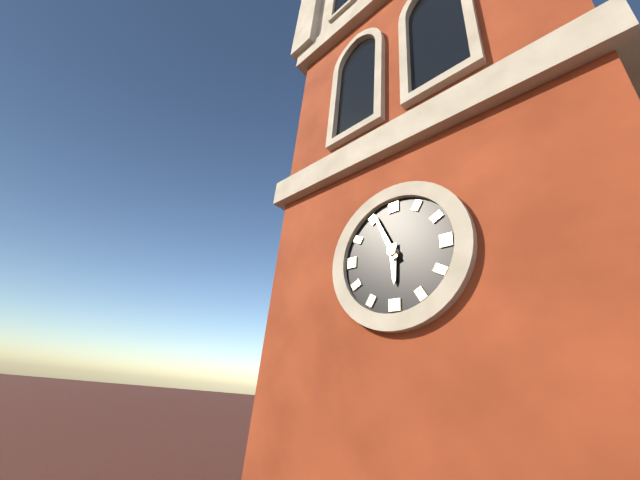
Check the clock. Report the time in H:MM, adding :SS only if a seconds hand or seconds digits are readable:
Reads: 5:56
